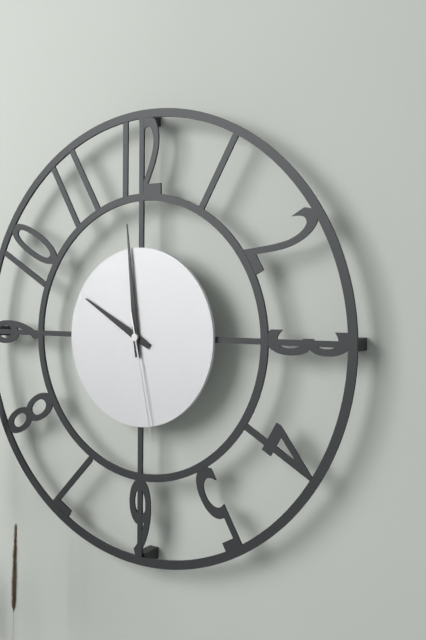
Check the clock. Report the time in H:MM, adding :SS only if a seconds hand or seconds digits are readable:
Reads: 9:59:28
